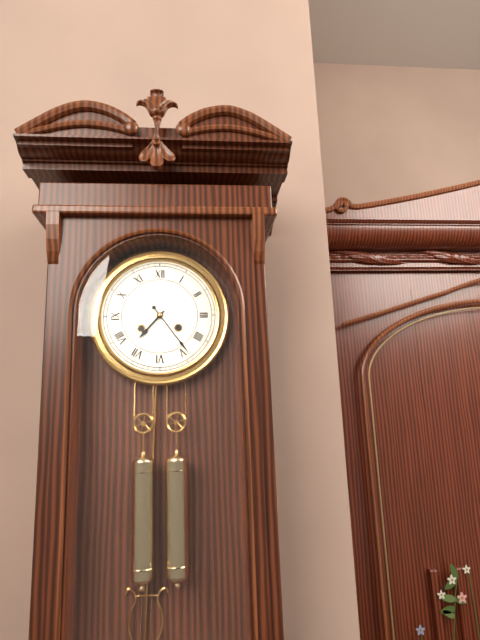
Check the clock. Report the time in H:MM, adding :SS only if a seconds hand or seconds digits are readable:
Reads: 7:24
